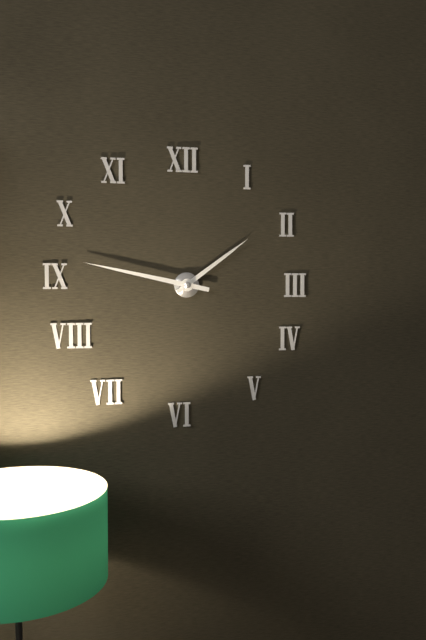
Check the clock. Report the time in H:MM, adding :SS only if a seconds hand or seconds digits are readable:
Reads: 1:47
